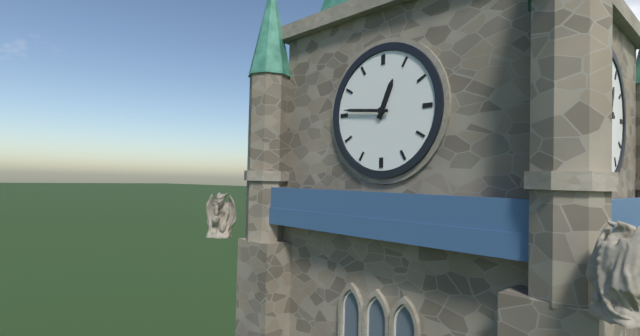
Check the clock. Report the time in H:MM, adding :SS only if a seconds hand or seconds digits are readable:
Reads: 12:46
